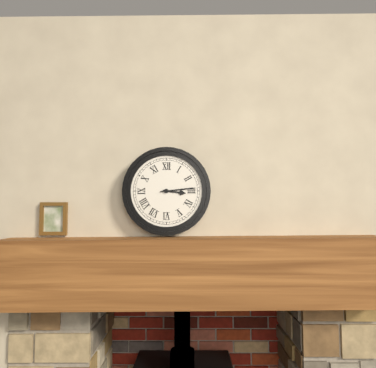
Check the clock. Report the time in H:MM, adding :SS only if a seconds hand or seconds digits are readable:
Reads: 3:14
